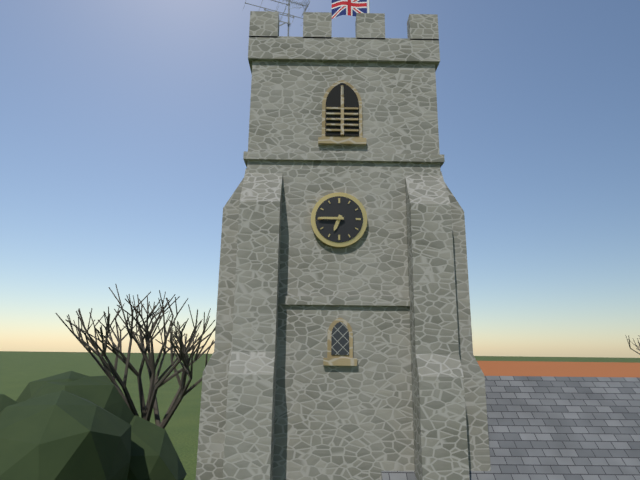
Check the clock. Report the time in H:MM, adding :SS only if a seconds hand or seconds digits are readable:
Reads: 6:45
